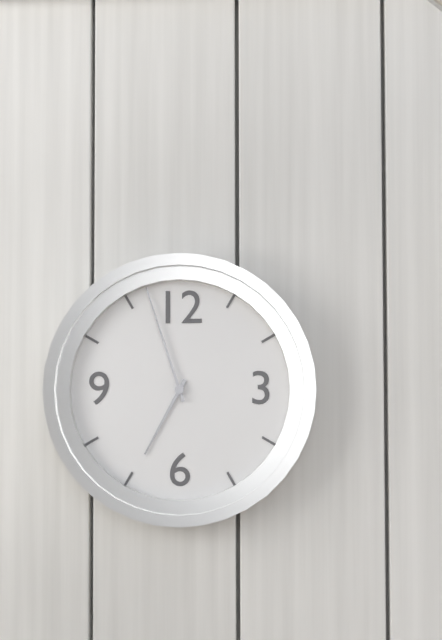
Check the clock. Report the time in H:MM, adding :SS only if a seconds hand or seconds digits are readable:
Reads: 6:57
